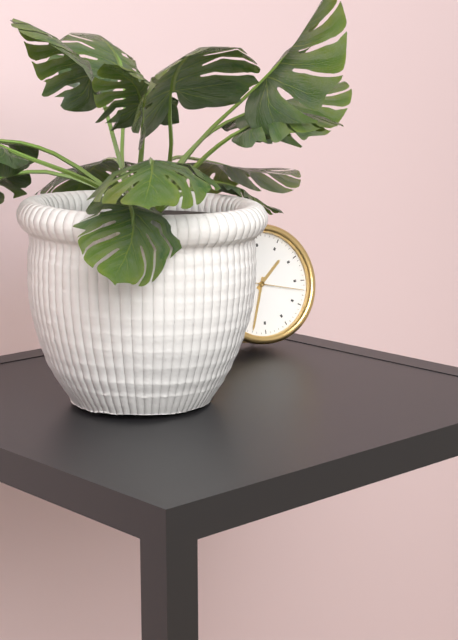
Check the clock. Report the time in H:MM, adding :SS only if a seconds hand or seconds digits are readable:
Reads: 1:33:17
